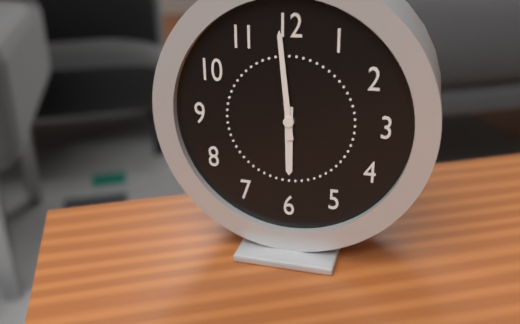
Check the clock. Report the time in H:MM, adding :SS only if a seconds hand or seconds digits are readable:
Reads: 5:59
